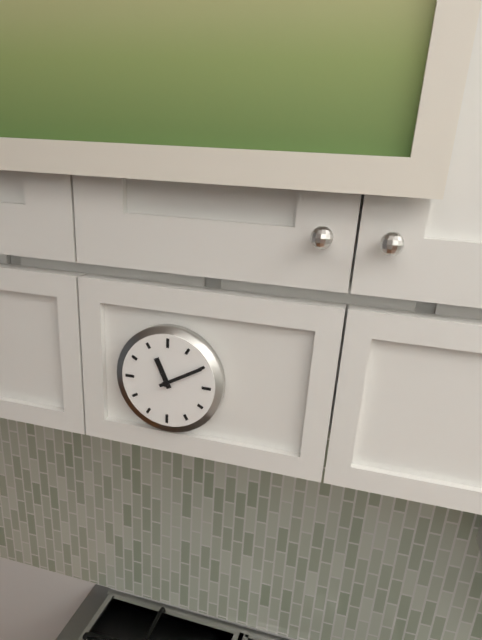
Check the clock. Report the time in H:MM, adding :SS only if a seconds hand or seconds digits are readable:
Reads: 11:10
